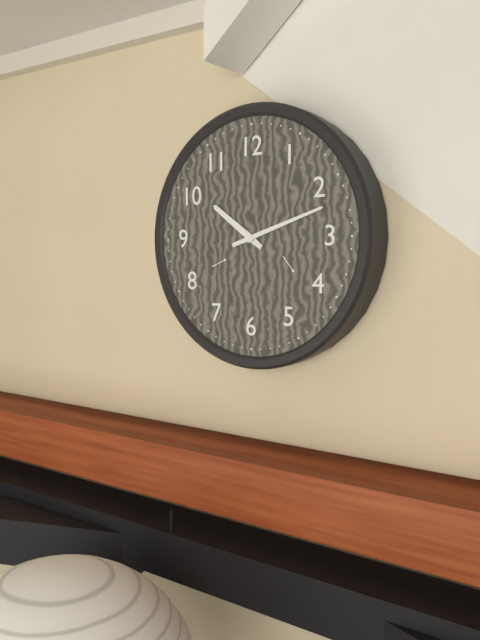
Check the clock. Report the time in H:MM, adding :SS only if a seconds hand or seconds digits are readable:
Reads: 10:12
